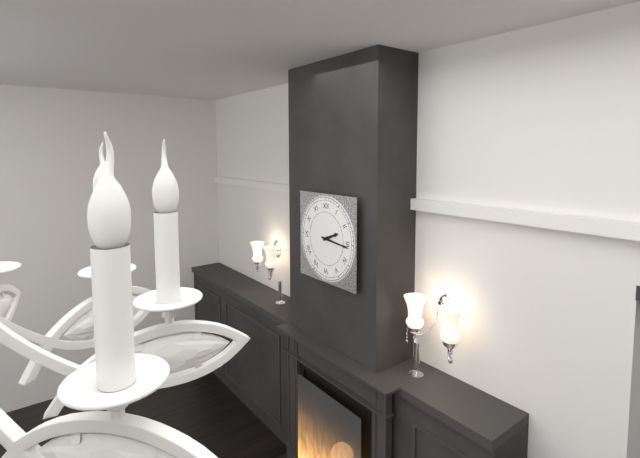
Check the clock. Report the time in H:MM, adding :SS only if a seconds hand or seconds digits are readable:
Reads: 2:16
